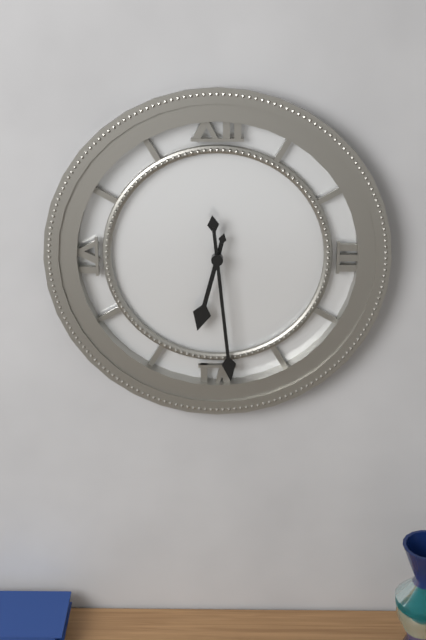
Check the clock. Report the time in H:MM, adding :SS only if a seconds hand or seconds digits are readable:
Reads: 6:29
